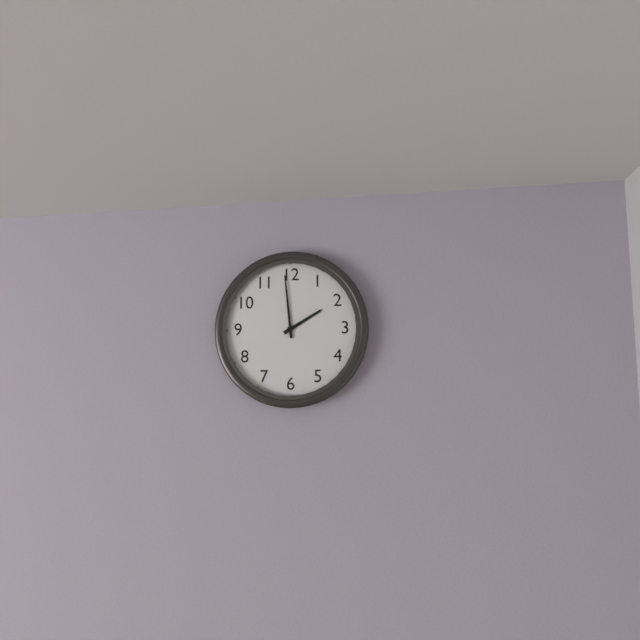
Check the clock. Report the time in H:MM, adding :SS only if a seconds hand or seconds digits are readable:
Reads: 1:59
